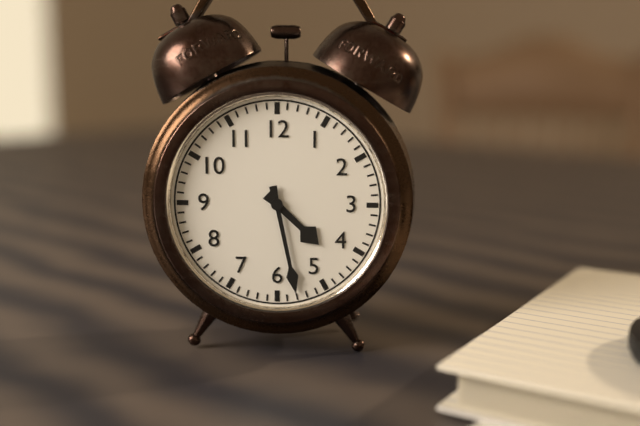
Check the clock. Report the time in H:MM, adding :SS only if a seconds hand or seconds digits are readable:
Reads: 4:28
